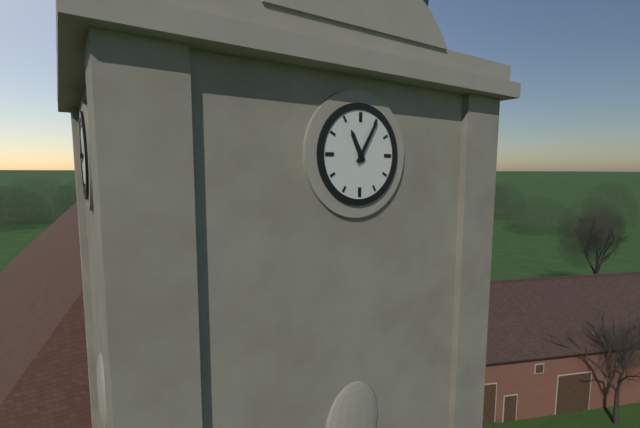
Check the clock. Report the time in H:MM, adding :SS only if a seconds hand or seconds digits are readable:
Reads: 11:05
